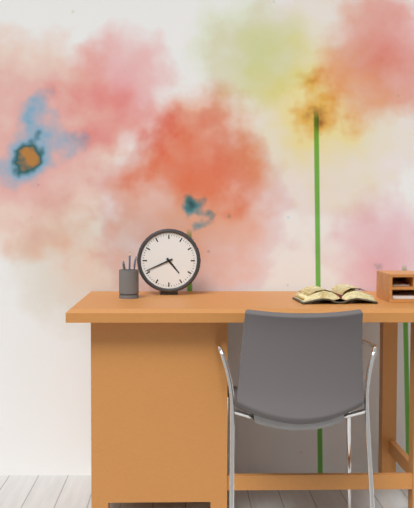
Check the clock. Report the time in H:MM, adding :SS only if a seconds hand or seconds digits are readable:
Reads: 4:41
